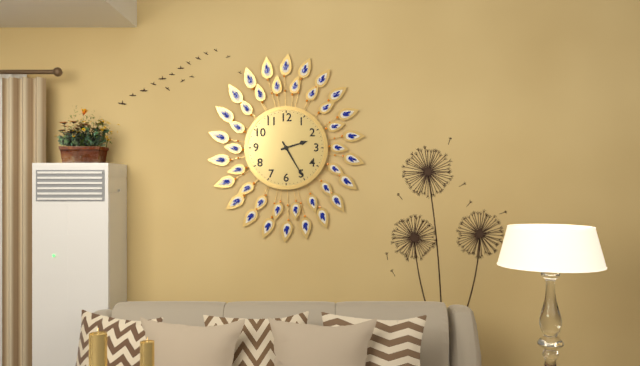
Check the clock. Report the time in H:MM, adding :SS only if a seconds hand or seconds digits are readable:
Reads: 2:25
